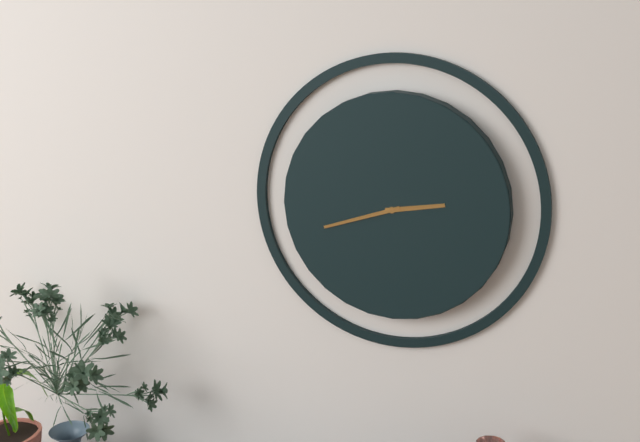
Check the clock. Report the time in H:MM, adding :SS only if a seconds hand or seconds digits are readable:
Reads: 2:42
